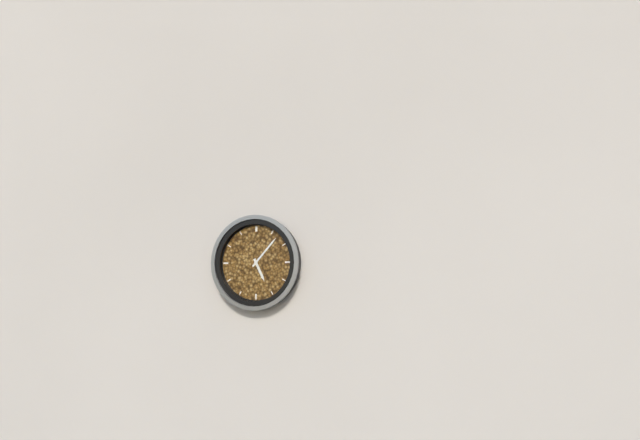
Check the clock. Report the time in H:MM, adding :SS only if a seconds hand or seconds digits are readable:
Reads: 5:07
